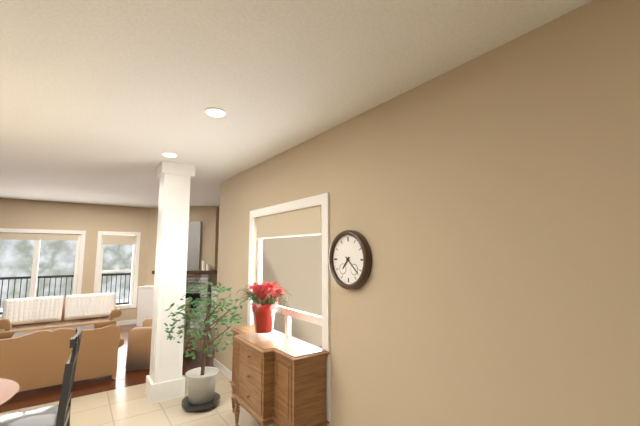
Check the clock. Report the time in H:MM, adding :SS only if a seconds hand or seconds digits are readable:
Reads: 7:22
